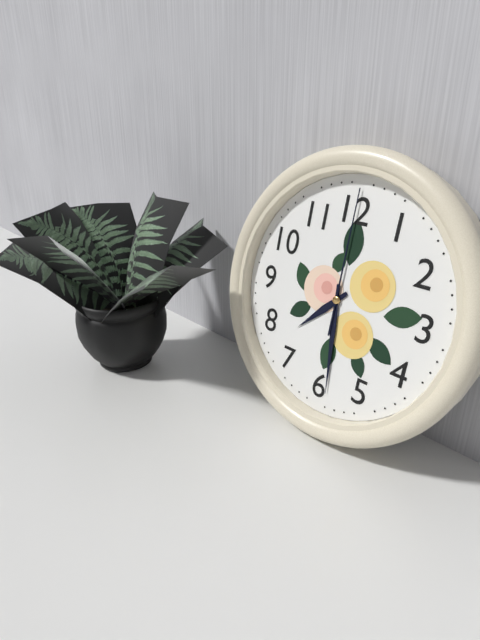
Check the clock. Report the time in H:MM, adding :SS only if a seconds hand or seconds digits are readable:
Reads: 7:29:00
